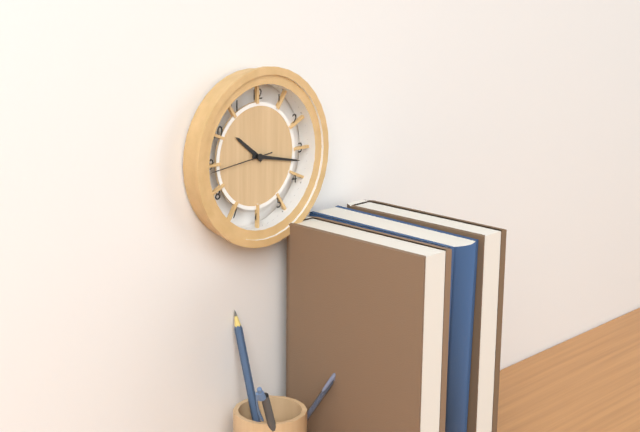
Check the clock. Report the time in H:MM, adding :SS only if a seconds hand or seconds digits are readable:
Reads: 10:17:44
